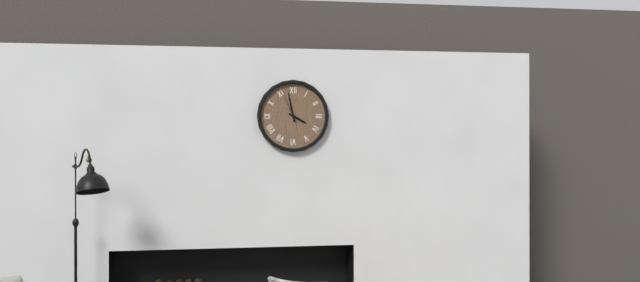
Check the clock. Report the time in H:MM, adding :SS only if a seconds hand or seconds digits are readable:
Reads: 3:58
